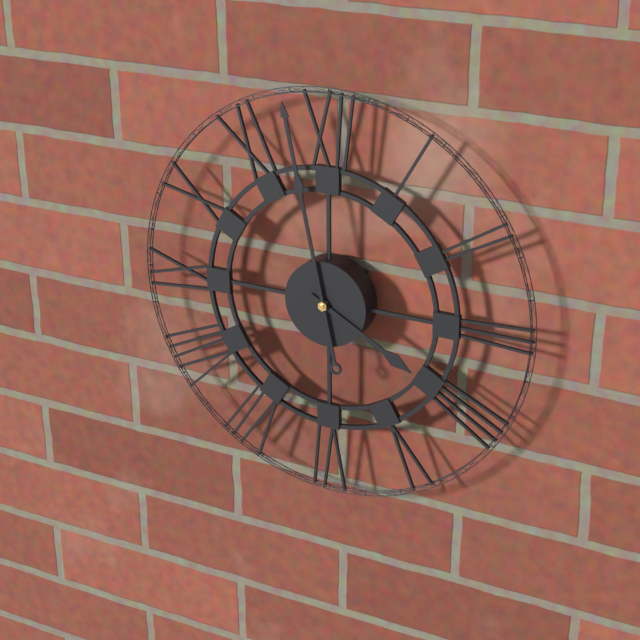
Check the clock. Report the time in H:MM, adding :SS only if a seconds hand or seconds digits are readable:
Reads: 3:58
